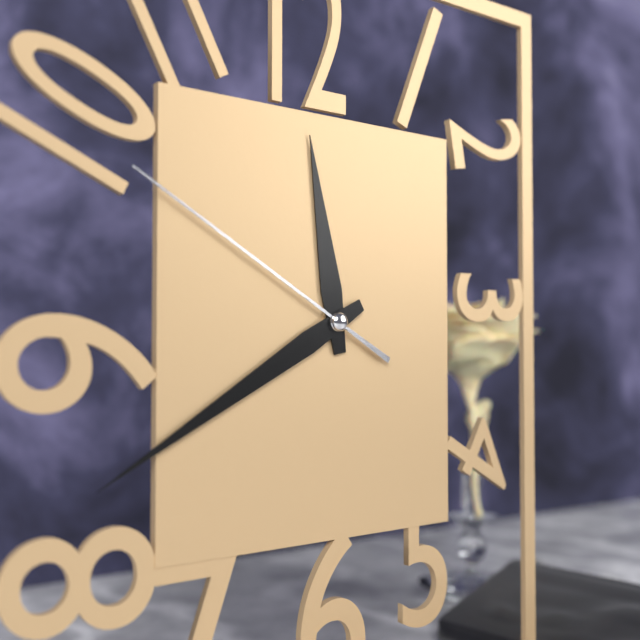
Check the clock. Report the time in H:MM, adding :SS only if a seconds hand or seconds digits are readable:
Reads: 11:40:50
